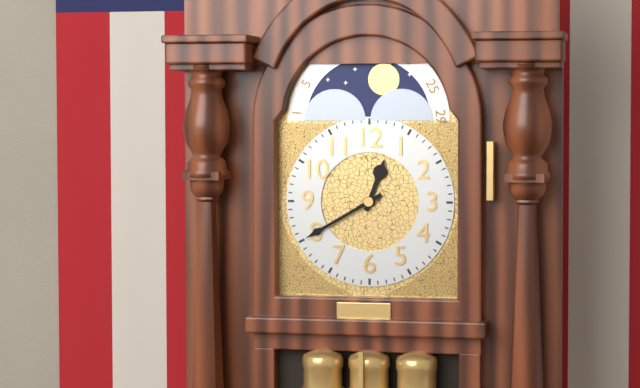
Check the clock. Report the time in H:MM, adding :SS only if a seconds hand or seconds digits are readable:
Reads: 12:40
